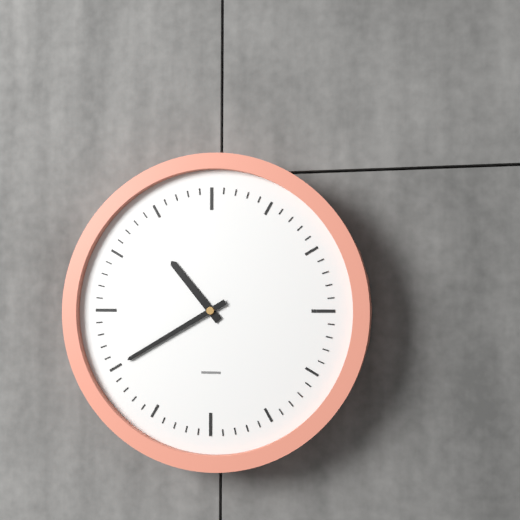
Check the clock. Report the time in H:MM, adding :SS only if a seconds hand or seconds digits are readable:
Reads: 10:40
